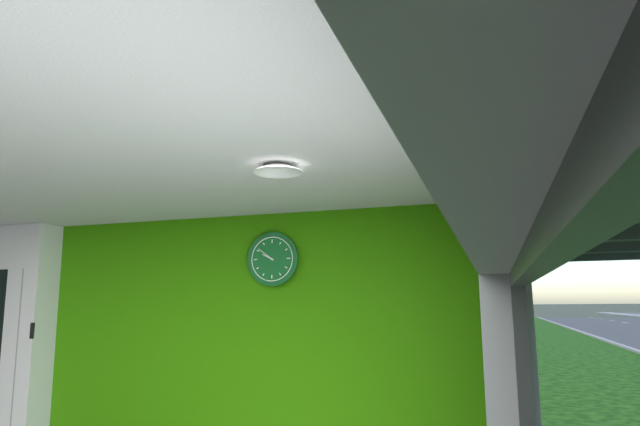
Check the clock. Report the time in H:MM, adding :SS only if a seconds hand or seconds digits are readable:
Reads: 9:51
